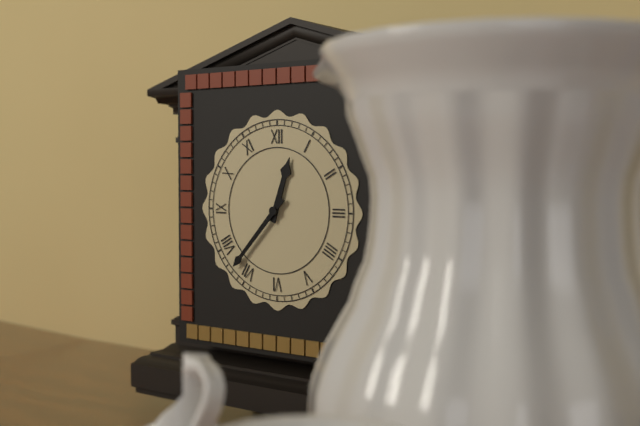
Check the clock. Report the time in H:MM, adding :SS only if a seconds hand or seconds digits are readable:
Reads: 12:37
